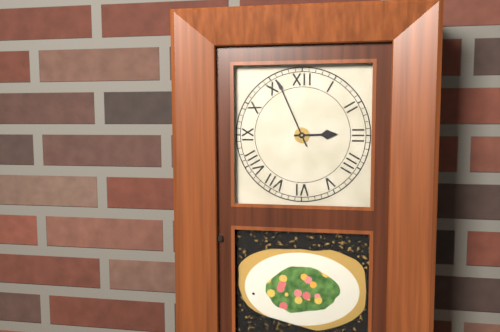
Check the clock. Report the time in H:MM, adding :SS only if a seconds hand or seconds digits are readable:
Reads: 2:56
